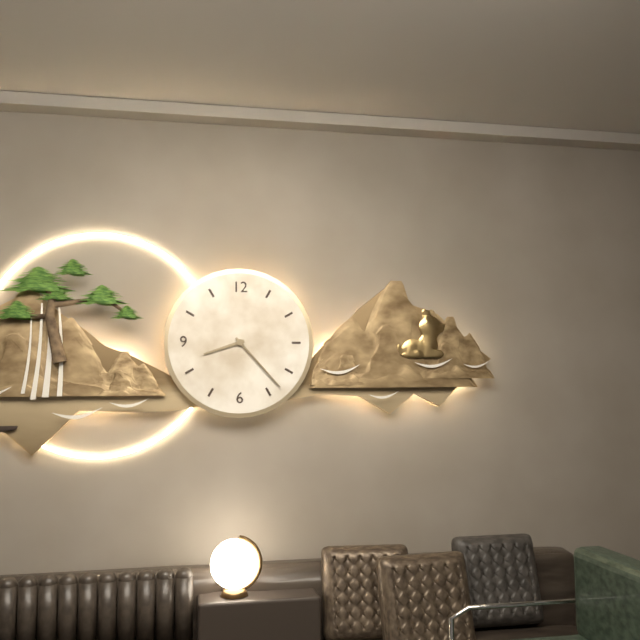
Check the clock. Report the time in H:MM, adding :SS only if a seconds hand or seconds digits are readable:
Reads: 8:23
